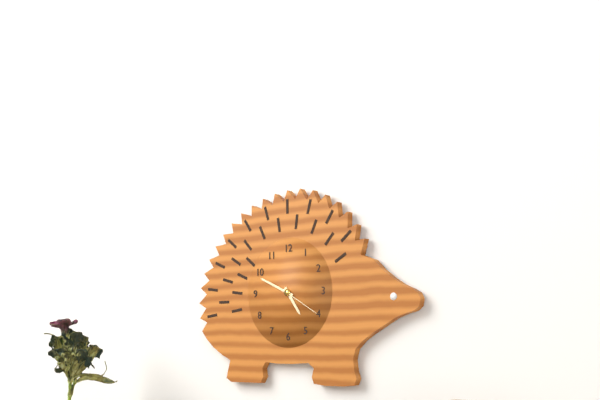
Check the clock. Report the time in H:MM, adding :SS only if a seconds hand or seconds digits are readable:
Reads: 4:49
